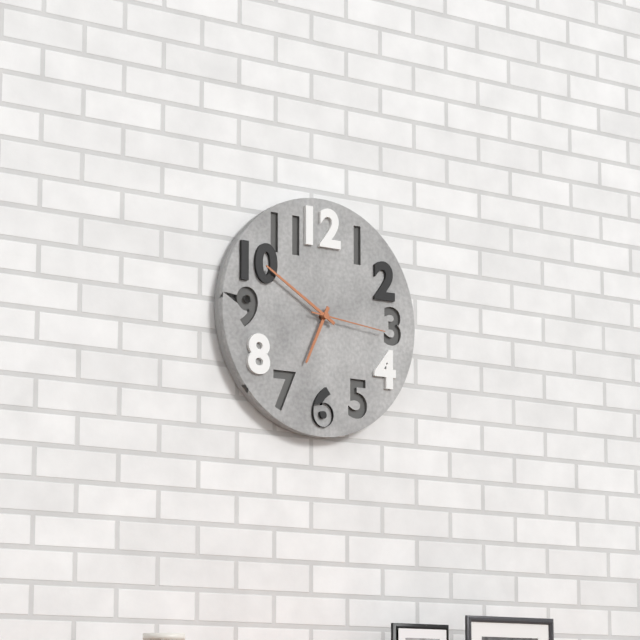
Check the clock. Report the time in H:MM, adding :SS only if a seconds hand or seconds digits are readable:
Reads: 6:50:16
